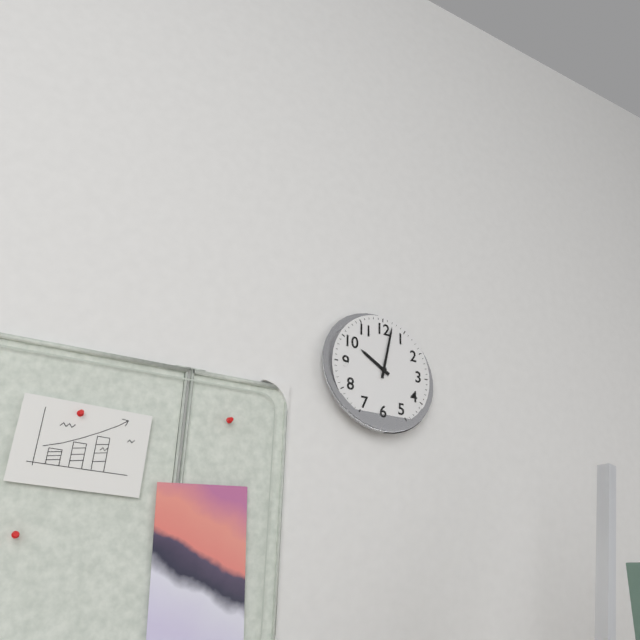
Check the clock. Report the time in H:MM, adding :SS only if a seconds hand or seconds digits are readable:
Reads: 10:02
